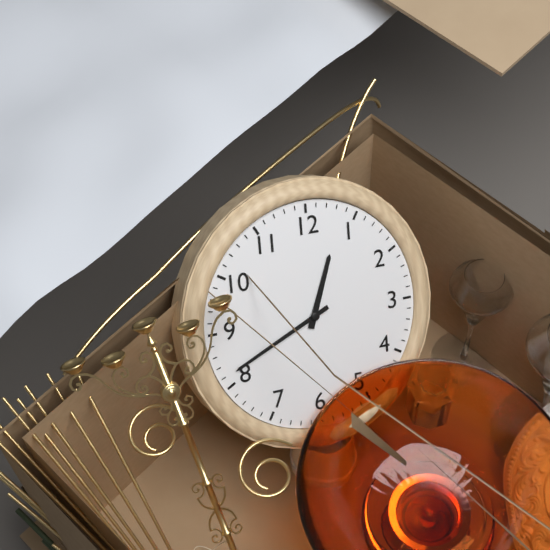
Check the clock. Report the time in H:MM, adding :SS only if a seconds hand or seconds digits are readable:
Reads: 12:41
